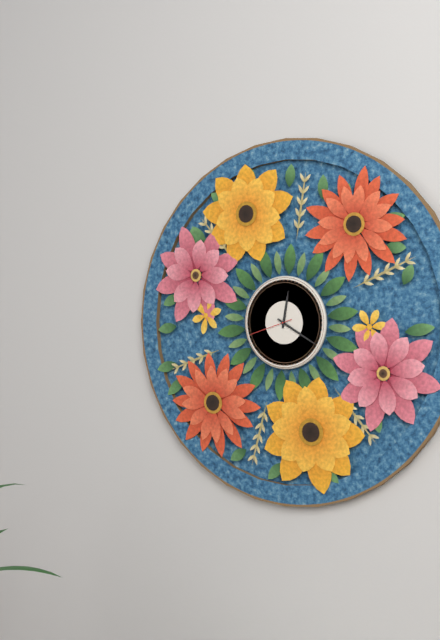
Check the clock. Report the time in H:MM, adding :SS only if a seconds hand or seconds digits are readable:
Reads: 12:20:42
